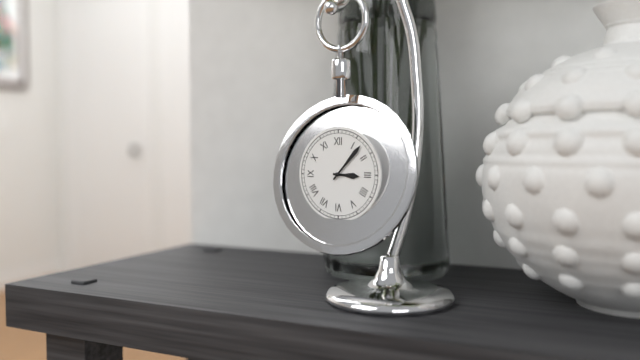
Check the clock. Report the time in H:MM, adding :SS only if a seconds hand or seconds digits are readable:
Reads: 3:07
